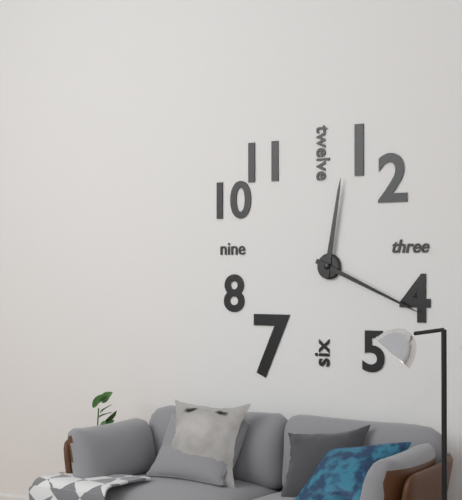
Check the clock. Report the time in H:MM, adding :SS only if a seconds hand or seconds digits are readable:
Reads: 12:19
